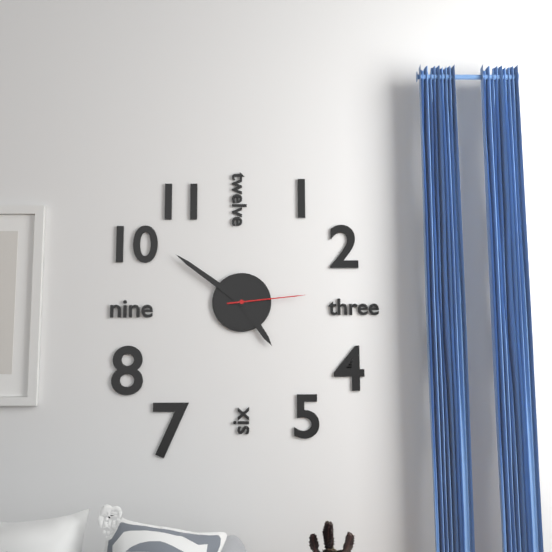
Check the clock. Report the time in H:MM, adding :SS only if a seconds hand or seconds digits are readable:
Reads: 4:51:14
